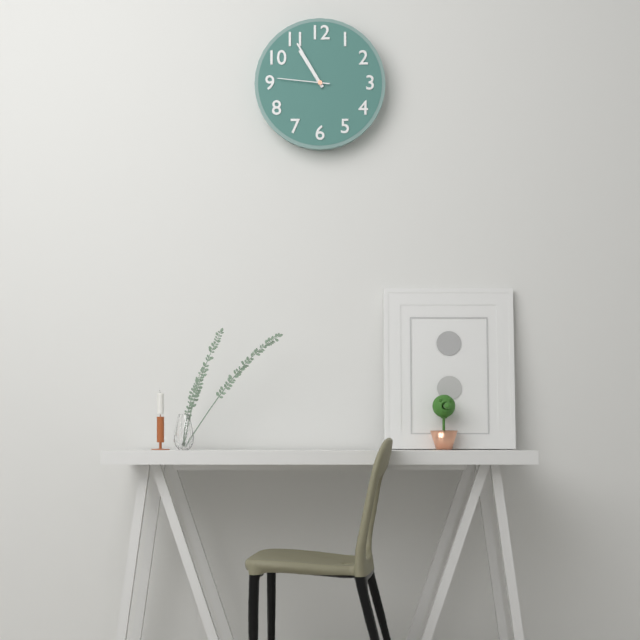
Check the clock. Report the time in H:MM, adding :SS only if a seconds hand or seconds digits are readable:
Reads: 10:55:46
